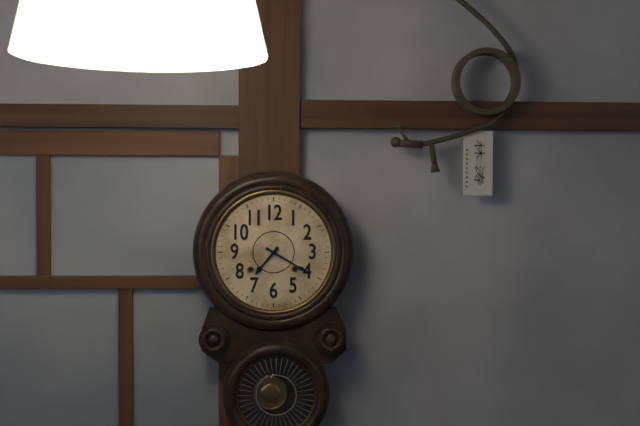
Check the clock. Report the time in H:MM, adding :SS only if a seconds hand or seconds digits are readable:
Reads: 7:20
